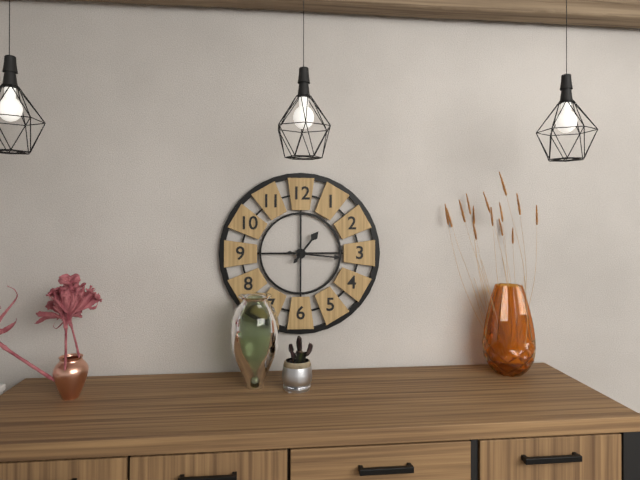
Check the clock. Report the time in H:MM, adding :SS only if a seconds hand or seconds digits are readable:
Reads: 1:16
